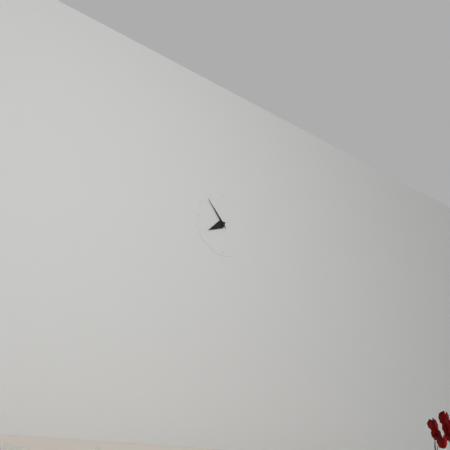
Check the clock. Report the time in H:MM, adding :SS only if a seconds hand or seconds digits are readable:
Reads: 7:53
